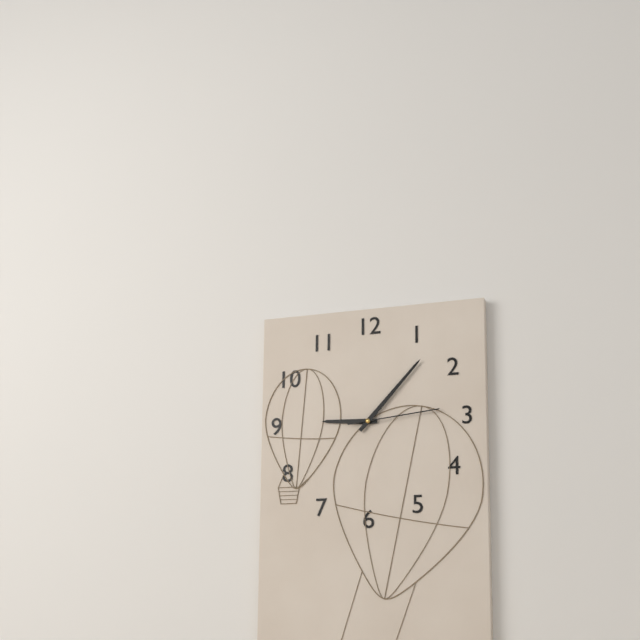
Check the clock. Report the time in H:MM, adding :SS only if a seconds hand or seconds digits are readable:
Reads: 9:07:14
